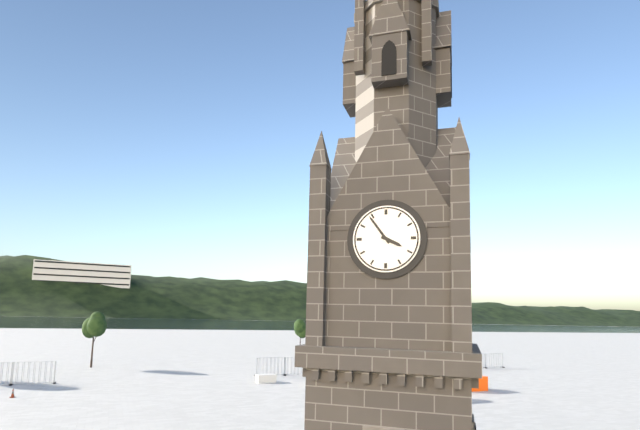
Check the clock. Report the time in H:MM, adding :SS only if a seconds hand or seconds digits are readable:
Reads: 3:54
